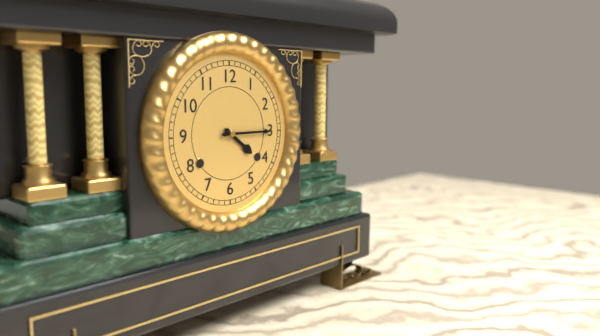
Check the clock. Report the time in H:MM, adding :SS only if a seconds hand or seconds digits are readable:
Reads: 4:15
